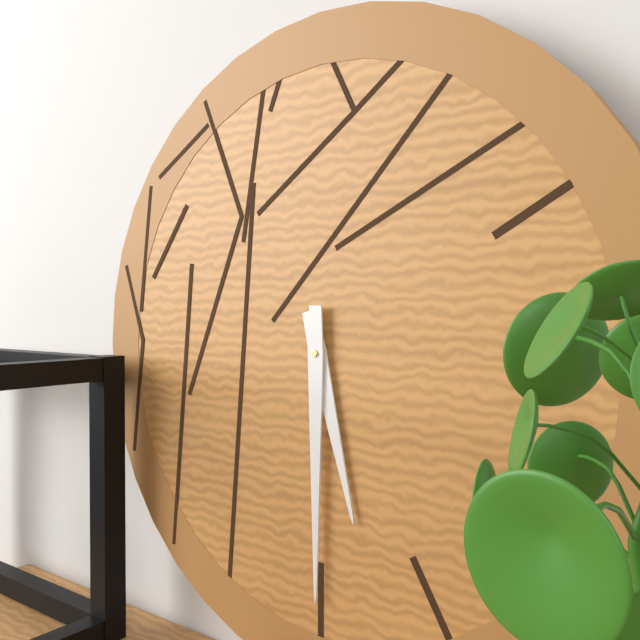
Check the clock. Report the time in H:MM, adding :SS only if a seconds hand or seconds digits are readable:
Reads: 5:30
